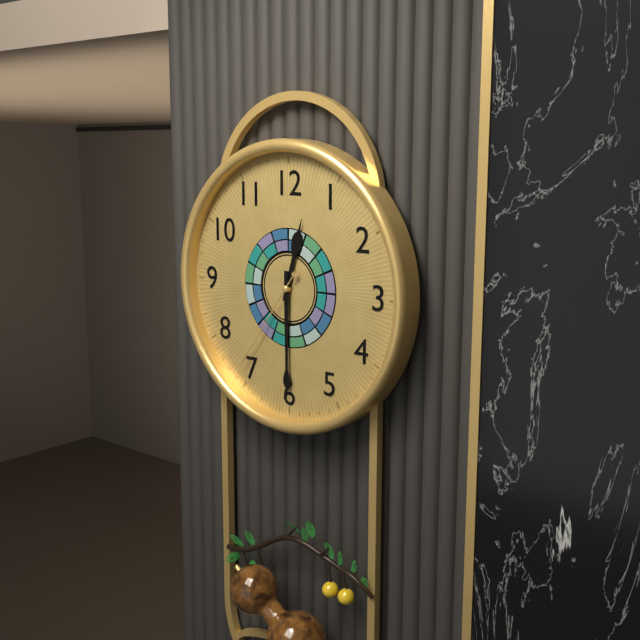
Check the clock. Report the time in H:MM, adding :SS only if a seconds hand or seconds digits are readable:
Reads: 12:30:36
